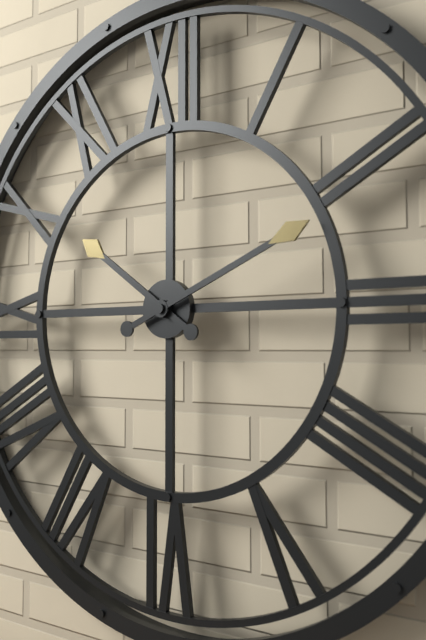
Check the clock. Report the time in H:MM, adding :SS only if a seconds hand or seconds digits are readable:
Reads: 10:11
